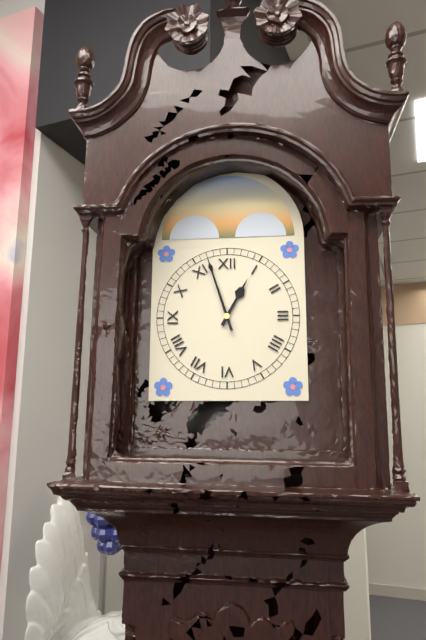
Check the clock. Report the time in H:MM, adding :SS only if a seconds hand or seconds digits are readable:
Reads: 12:57
